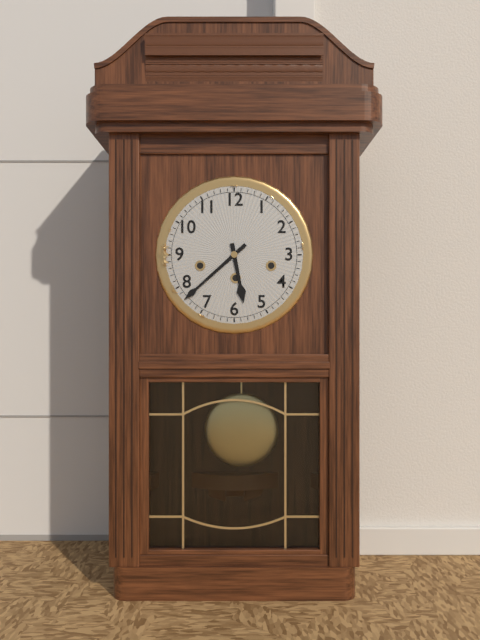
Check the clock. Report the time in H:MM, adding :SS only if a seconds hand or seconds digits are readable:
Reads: 5:38
